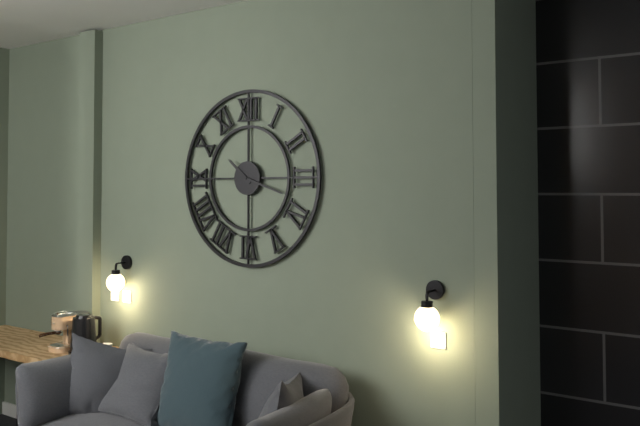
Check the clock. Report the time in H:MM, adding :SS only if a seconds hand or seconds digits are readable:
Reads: 10:18
